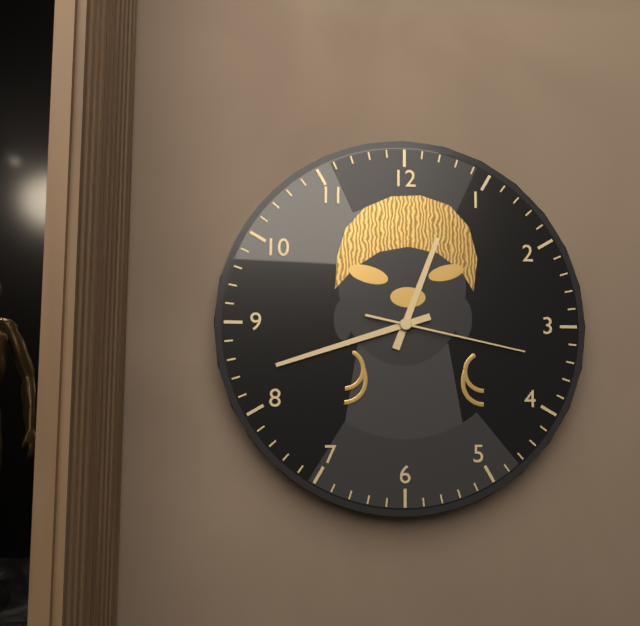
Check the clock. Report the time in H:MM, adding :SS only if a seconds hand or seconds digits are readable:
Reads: 12:42:17
